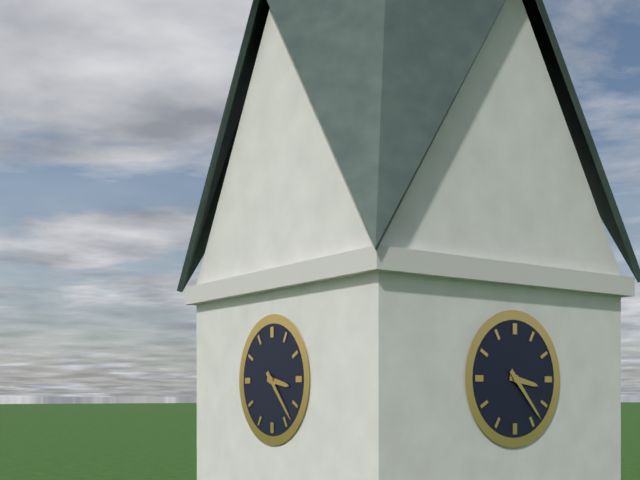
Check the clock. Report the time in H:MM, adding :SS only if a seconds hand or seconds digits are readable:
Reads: 3:23
